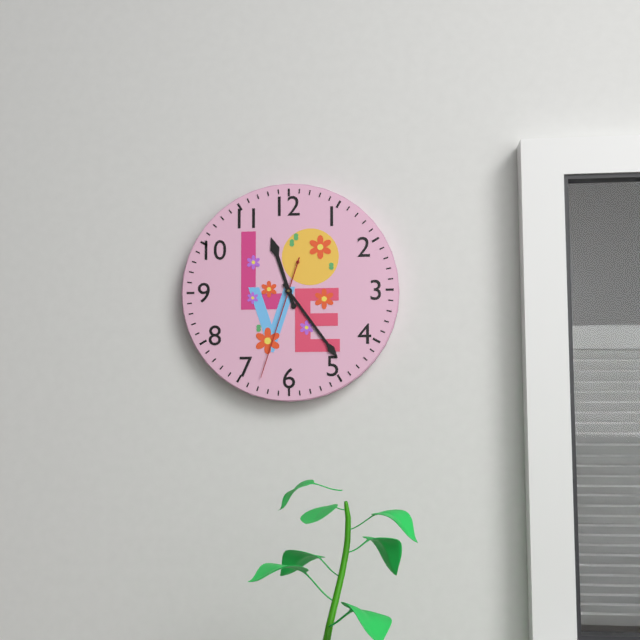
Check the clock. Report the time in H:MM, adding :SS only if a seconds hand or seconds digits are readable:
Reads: 11:24:33
